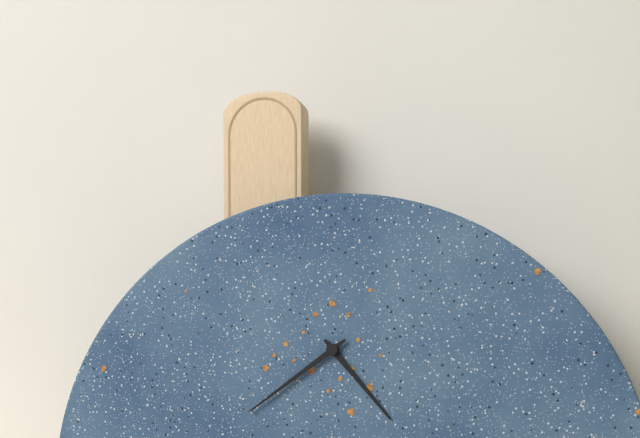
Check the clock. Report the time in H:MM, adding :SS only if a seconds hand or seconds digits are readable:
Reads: 4:39
